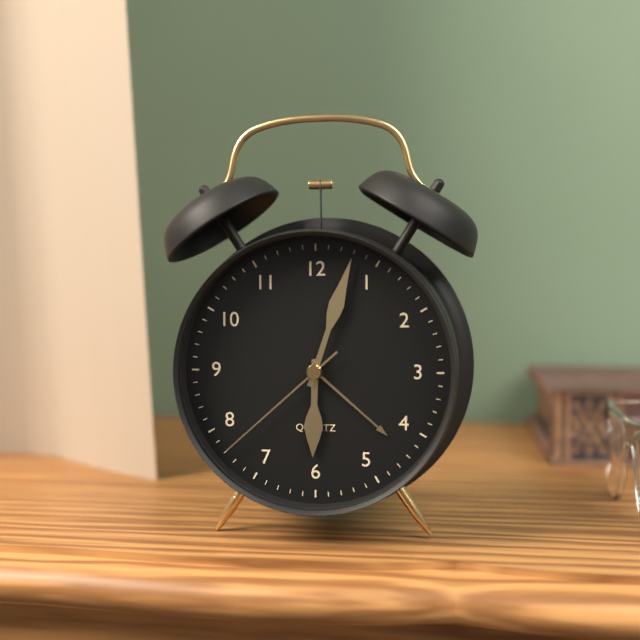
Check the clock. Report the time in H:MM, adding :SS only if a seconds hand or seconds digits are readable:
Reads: 6:03:38
